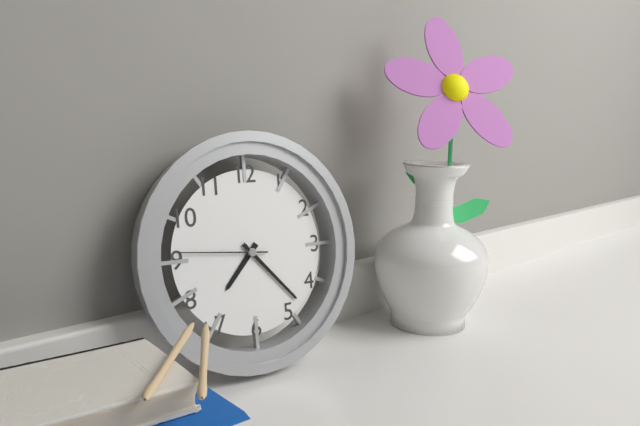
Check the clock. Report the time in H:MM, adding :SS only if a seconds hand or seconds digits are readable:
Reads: 7:23:46
